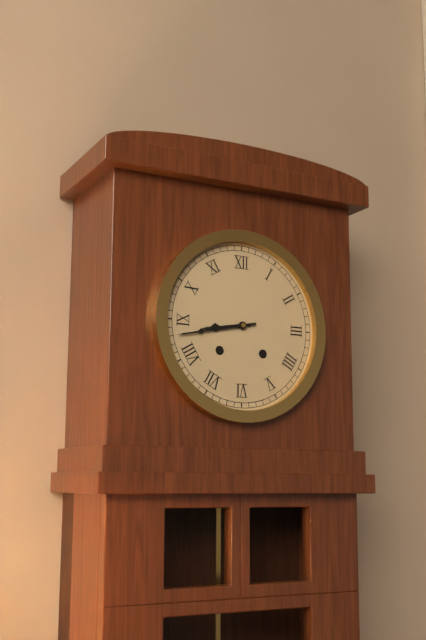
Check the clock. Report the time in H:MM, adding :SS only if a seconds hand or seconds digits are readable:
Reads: 8:43
